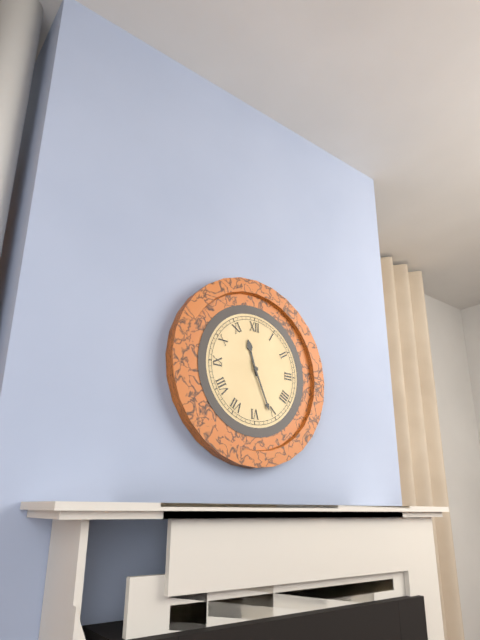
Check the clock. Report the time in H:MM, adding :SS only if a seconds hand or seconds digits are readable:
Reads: 11:26
